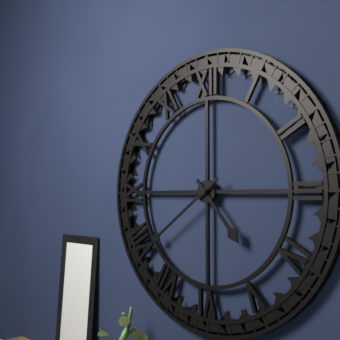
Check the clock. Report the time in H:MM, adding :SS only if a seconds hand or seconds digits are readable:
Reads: 4:39
